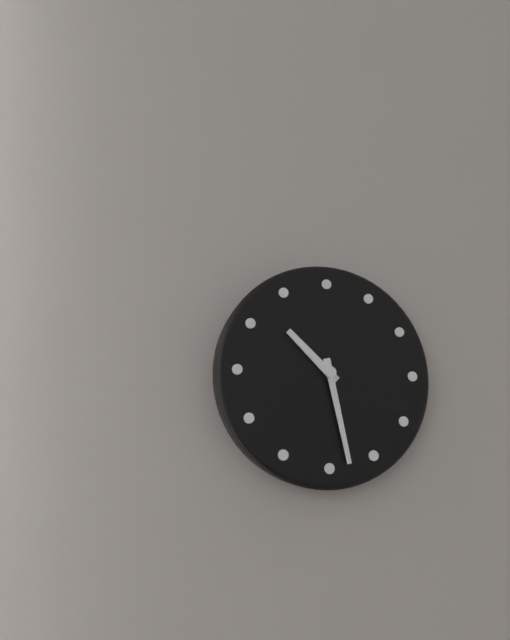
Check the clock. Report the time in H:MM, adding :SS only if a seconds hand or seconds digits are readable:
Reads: 10:28
